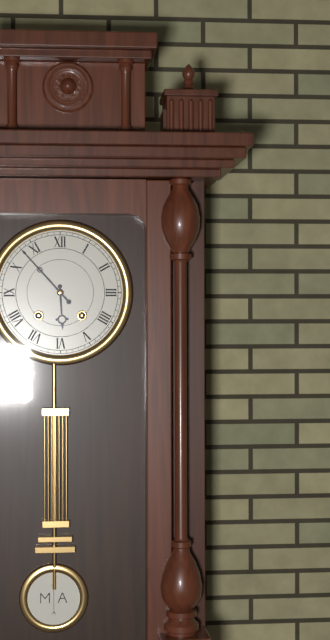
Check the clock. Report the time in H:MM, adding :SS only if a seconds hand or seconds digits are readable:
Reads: 5:53
